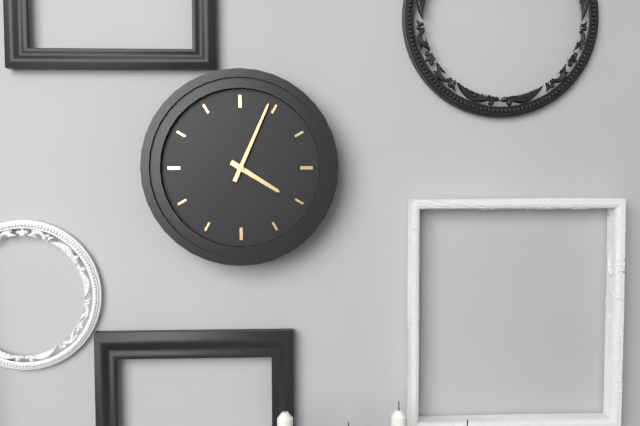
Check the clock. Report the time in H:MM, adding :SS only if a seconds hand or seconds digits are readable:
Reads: 4:04
